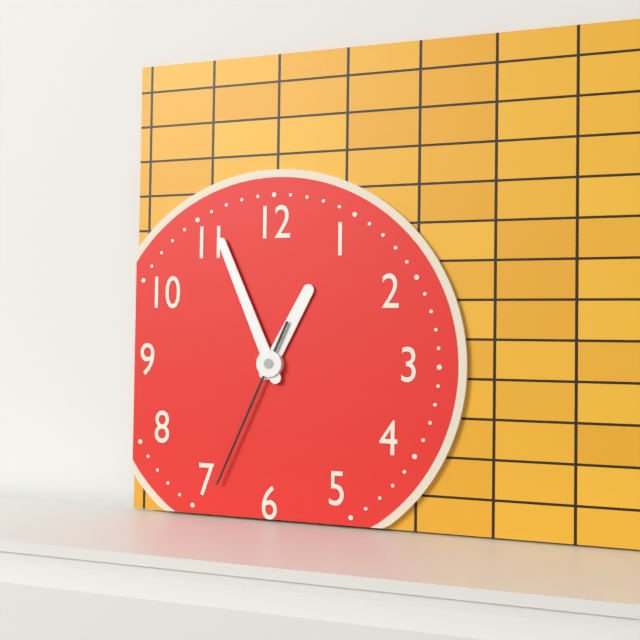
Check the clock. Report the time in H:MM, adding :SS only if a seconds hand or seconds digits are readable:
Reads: 12:56:34
